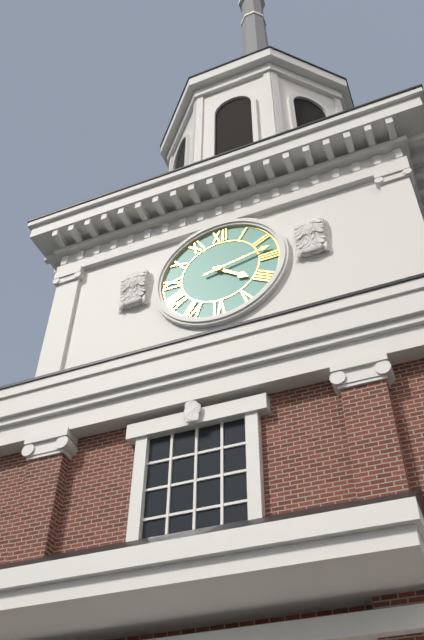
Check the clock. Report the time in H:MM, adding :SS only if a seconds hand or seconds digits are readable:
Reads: 4:13
